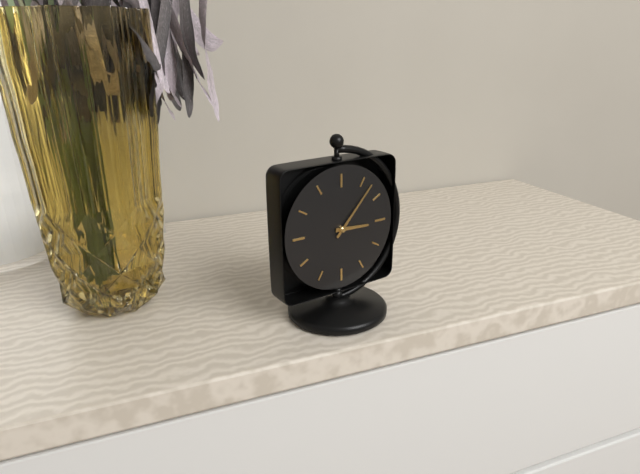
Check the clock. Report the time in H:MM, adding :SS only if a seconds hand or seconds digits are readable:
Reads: 3:07
